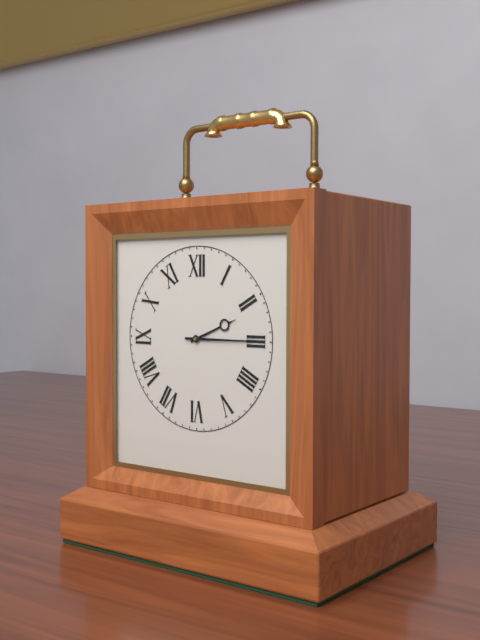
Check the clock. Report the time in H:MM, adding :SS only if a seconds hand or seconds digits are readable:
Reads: 2:15
